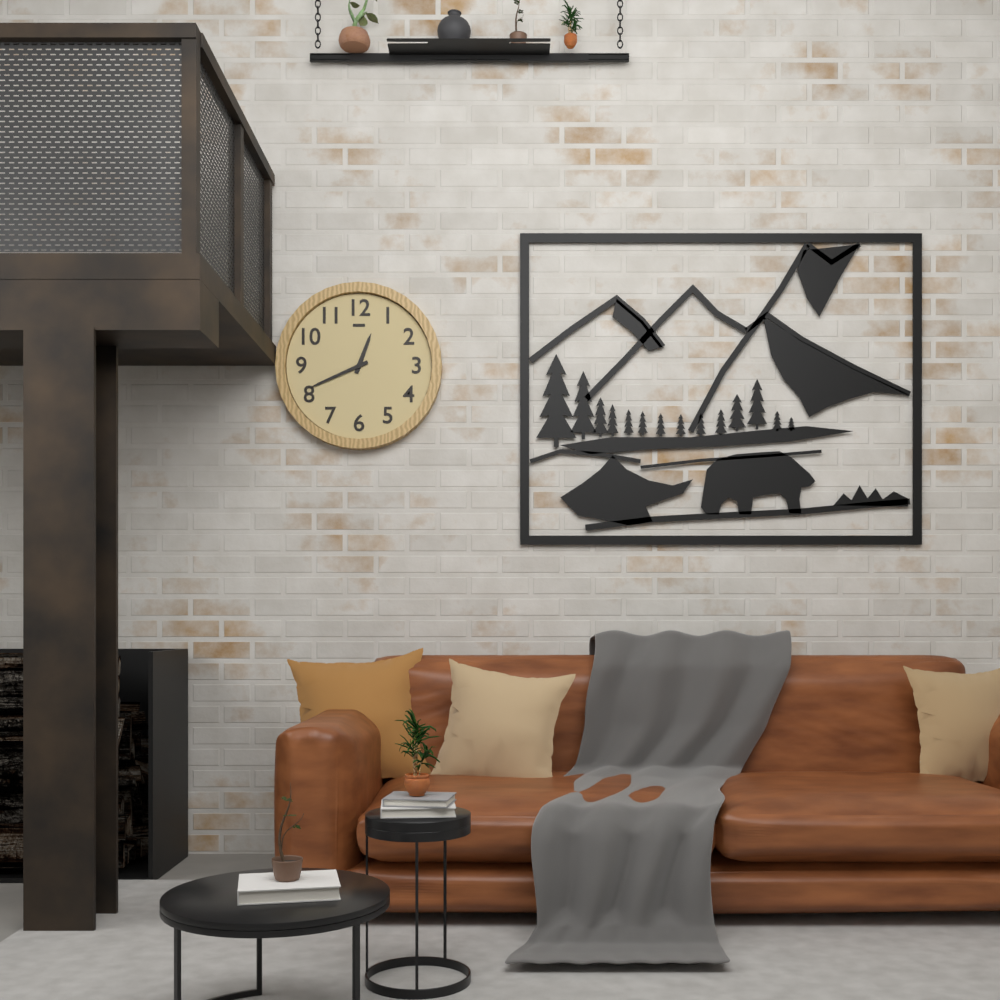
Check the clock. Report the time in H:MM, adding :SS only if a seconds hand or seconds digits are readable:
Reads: 12:41
